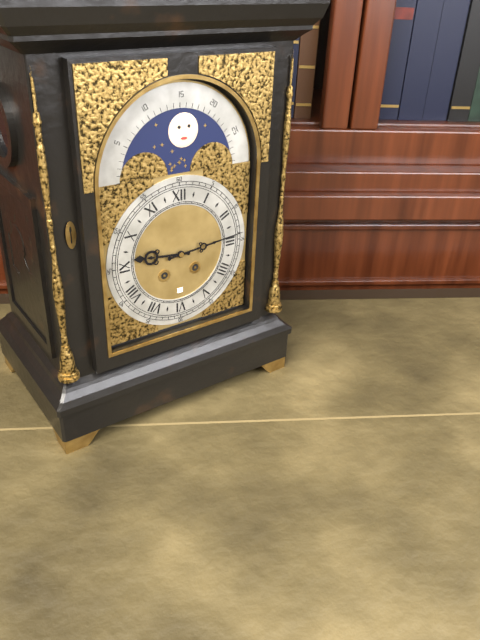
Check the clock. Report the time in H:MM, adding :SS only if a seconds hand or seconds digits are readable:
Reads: 9:14
